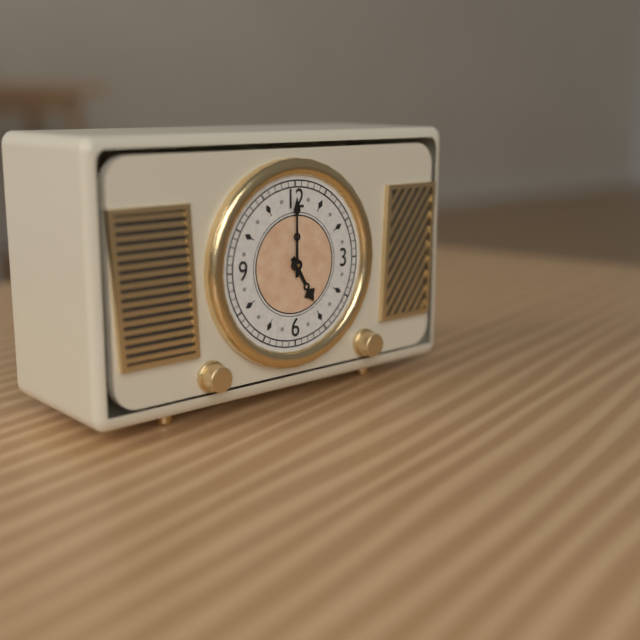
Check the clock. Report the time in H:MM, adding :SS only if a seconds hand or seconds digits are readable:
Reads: 5:00
